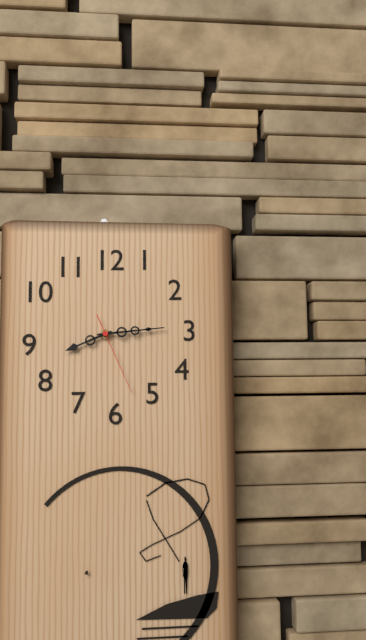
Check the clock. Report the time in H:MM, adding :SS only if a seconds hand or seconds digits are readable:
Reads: 8:14:26
